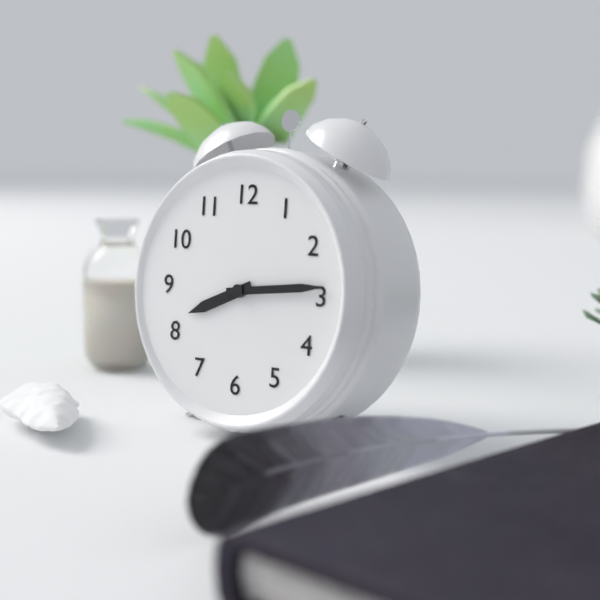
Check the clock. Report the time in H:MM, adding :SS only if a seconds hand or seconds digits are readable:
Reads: 8:14
